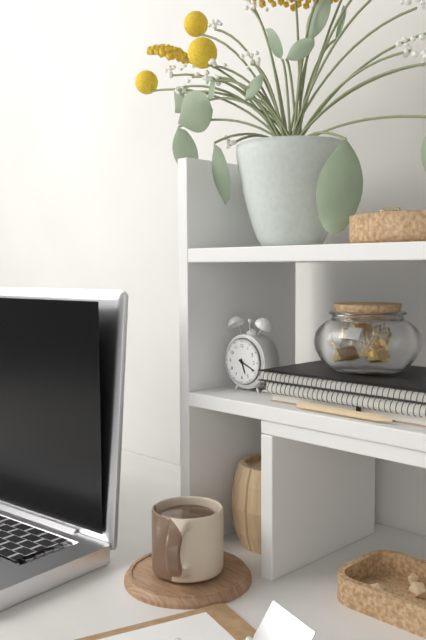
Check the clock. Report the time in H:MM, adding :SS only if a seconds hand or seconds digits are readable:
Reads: 5:19
